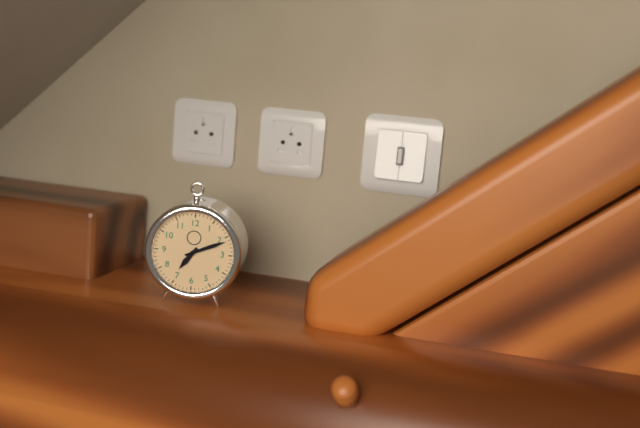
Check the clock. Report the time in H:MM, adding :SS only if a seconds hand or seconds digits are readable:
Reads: 7:11
